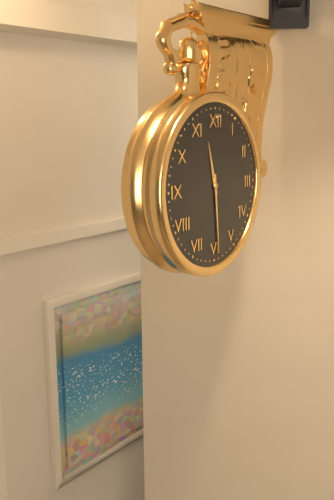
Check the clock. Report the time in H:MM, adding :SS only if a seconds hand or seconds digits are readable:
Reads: 11:29
